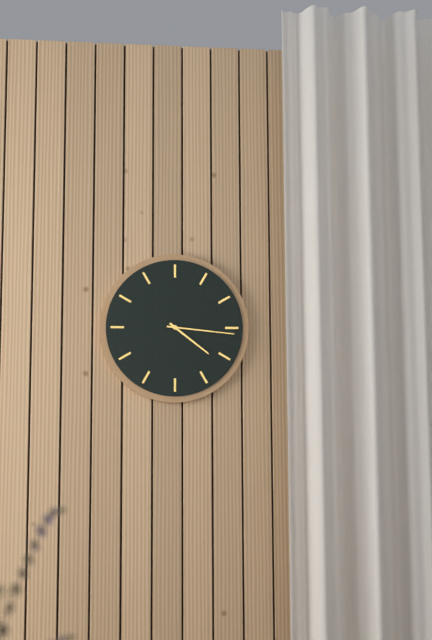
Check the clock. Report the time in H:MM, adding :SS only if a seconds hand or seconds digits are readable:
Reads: 4:16
